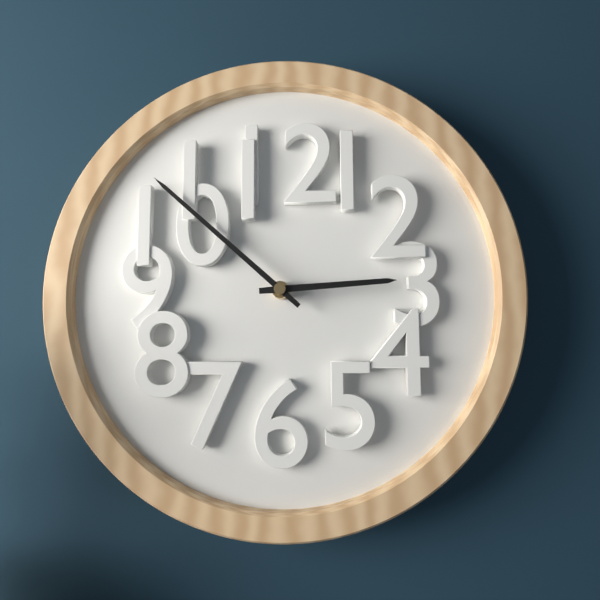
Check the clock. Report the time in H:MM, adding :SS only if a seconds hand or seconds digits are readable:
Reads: 2:52
